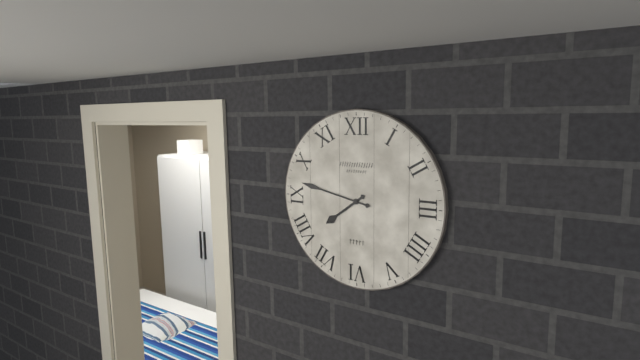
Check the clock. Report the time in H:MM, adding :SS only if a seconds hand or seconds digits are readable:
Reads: 7:47
